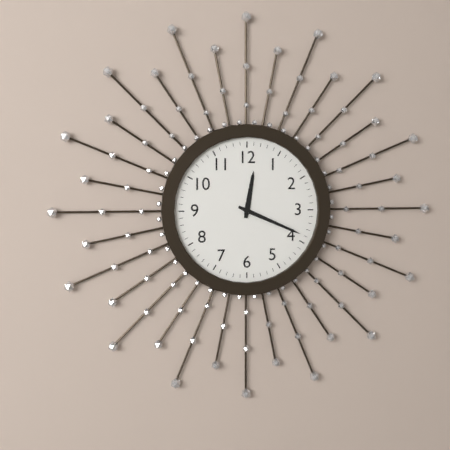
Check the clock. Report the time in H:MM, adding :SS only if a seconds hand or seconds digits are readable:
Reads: 12:19
